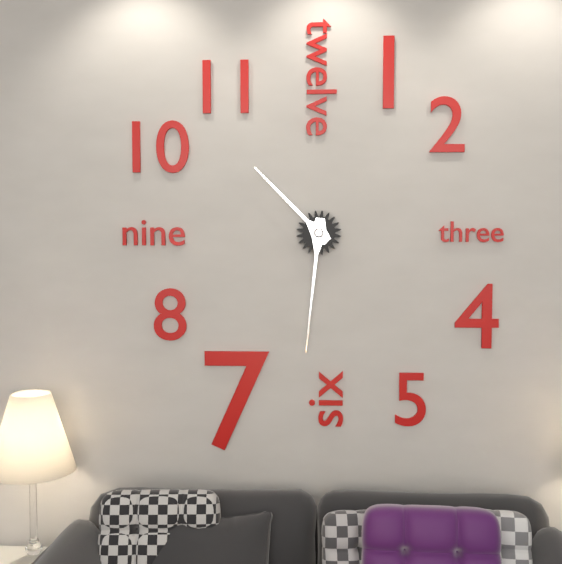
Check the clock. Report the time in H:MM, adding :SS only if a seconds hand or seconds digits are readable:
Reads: 10:31
